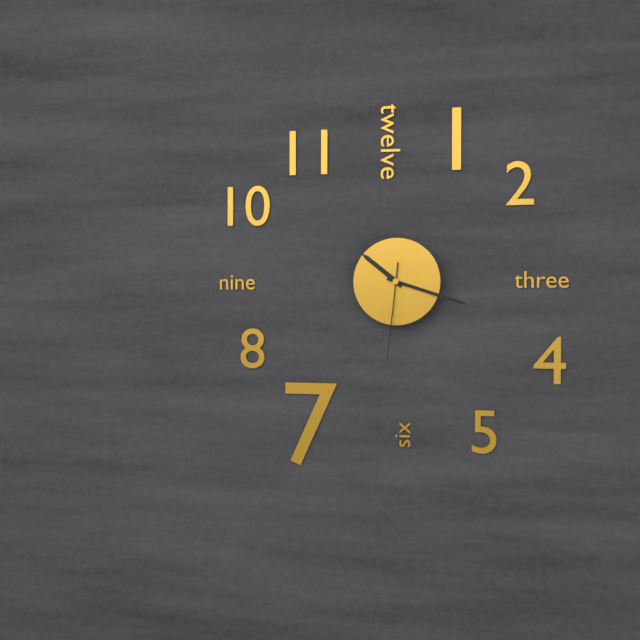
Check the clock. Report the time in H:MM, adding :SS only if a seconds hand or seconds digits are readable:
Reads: 10:18:31
